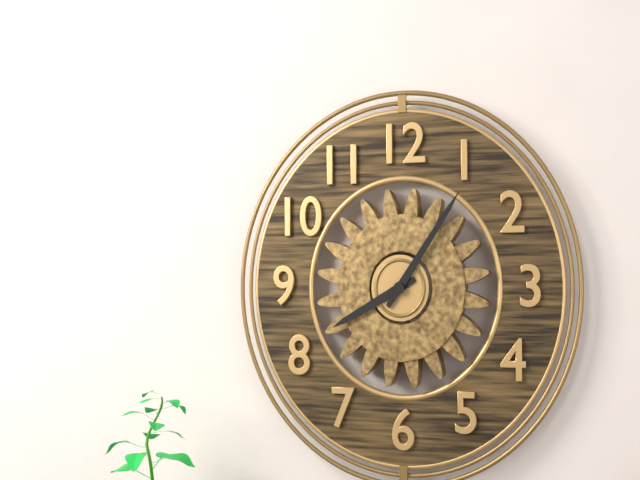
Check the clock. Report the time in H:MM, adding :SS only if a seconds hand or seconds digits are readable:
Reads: 8:06
